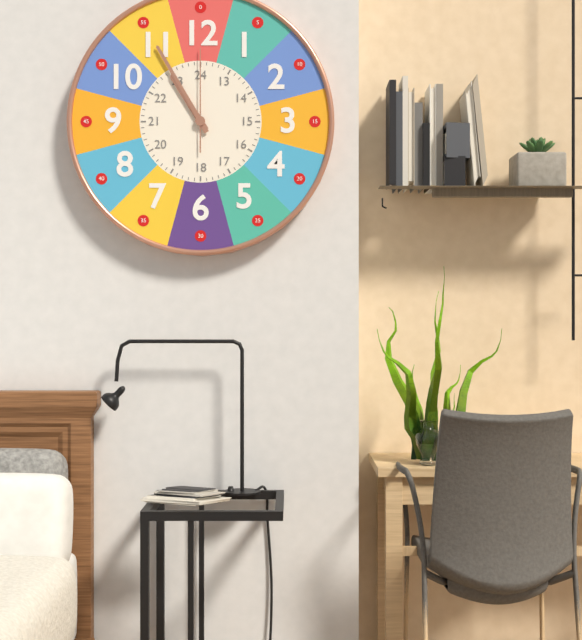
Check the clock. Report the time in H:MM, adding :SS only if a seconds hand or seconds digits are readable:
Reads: 10:55:00
